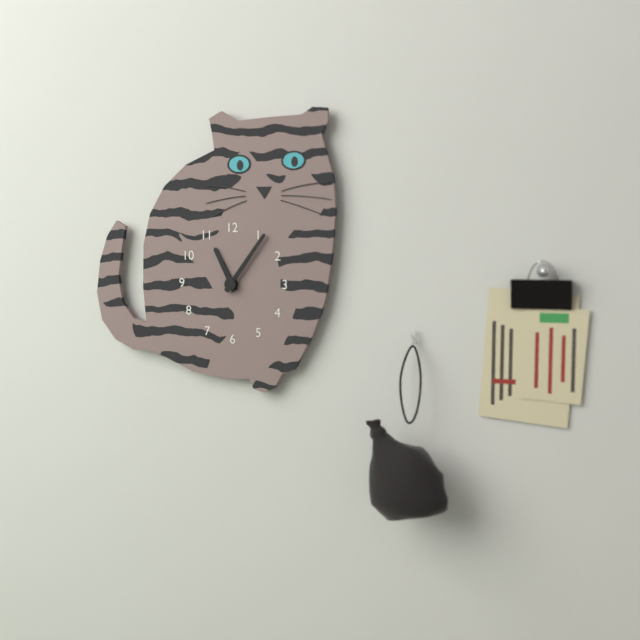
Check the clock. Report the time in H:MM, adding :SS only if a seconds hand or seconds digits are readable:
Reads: 11:06
